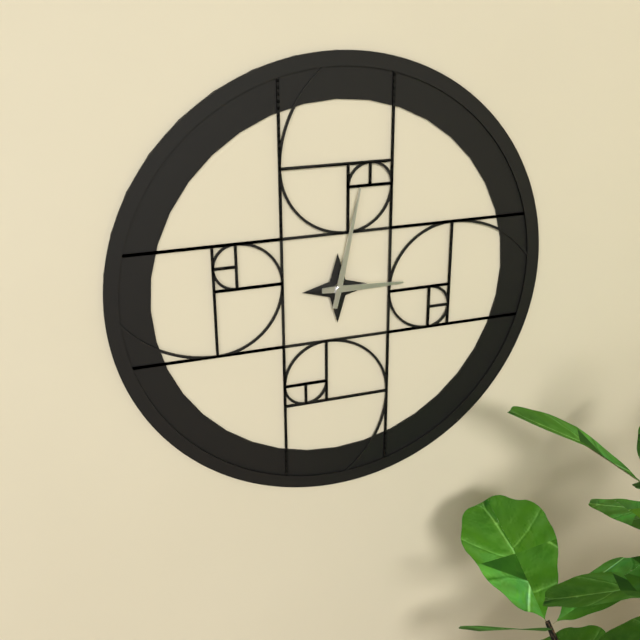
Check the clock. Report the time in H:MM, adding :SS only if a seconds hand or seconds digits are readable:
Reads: 3:02
